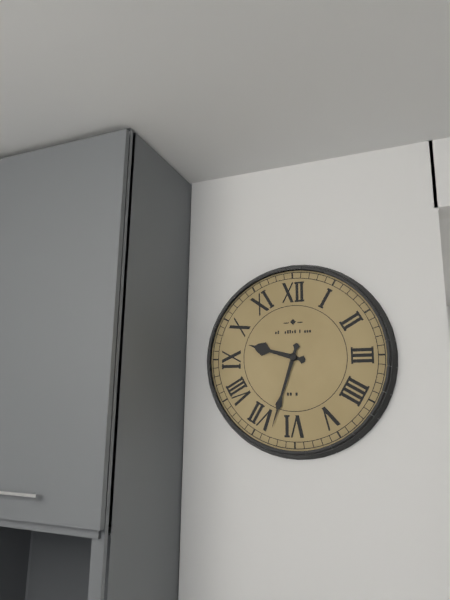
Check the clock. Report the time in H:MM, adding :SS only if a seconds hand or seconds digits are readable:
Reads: 9:33
